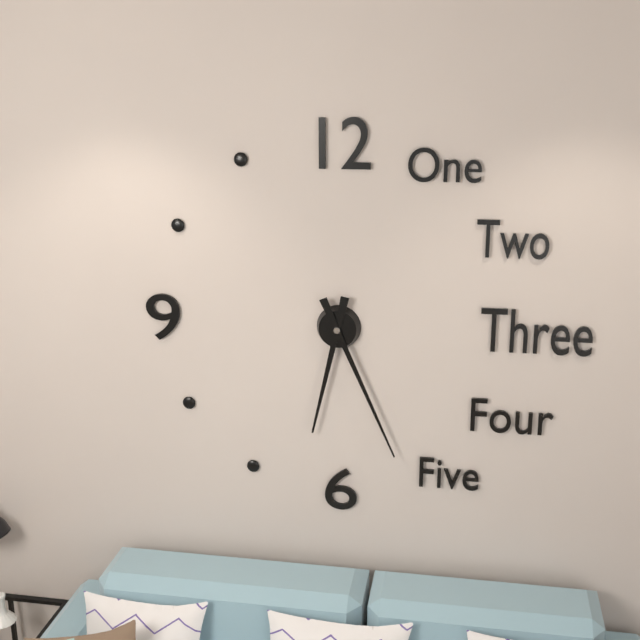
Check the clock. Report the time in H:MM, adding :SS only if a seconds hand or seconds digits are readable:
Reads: 6:26
